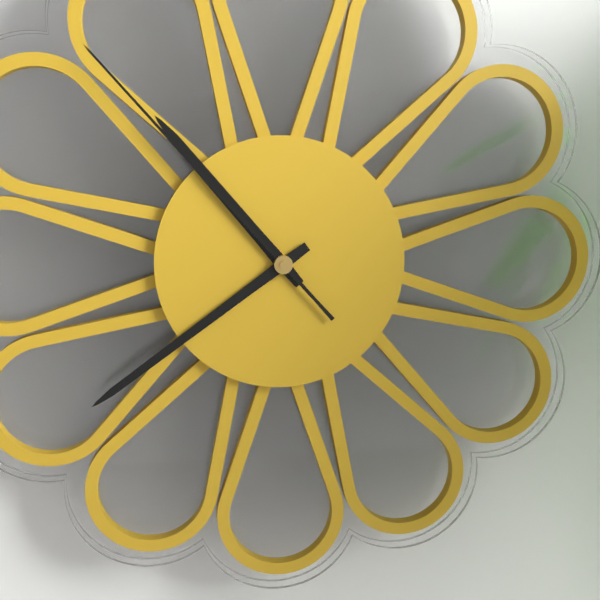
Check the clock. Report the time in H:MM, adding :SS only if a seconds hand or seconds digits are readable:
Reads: 10:39:53
